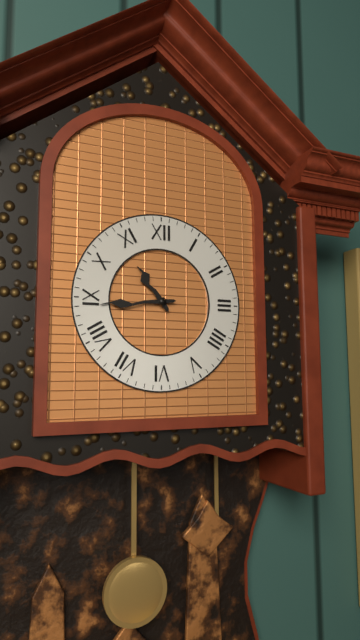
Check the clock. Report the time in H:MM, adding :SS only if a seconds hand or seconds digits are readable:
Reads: 10:44
